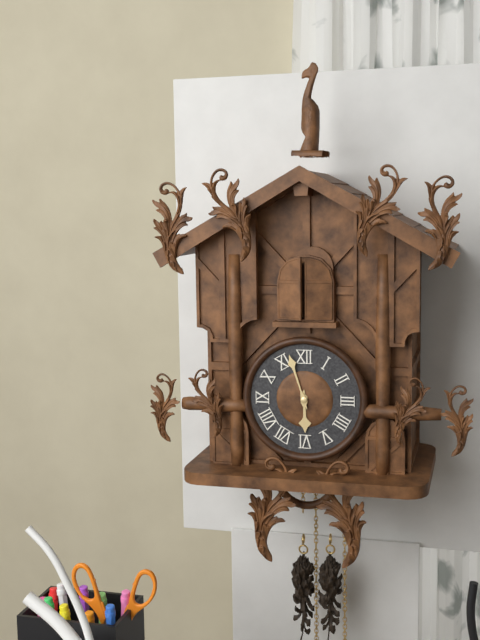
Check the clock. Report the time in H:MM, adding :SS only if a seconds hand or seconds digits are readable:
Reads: 5:57
